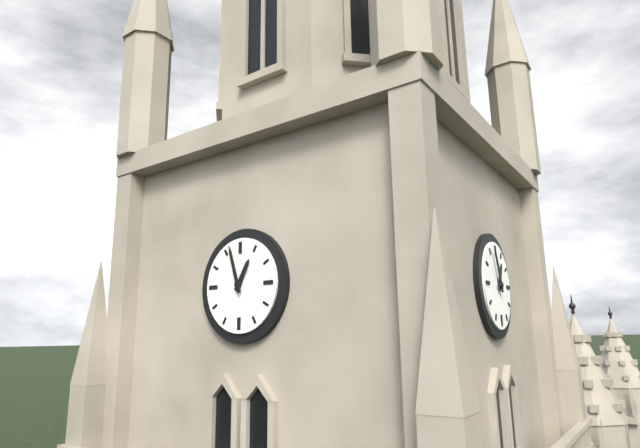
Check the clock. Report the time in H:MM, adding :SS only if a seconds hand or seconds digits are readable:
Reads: 12:57
